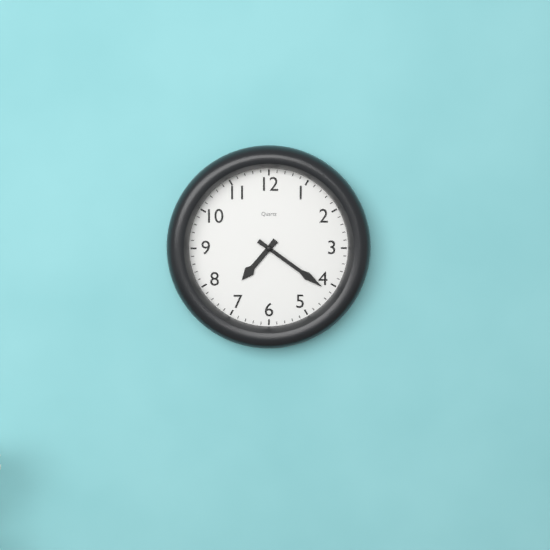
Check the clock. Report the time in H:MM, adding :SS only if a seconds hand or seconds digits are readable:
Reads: 7:21
